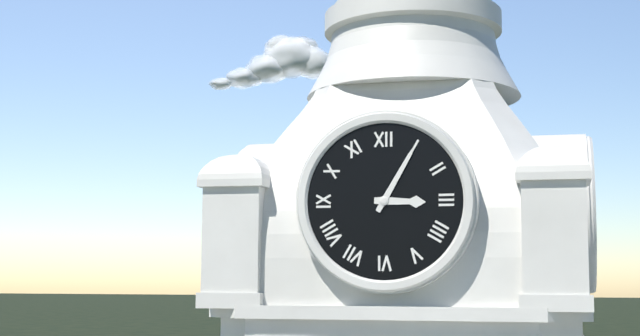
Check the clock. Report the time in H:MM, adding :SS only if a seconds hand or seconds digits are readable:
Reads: 3:05
